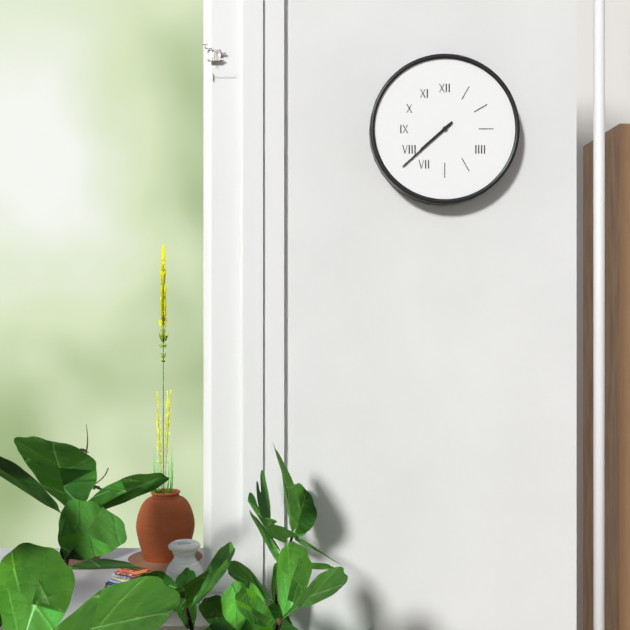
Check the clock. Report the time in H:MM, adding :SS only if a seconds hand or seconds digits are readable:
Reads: 7:38
